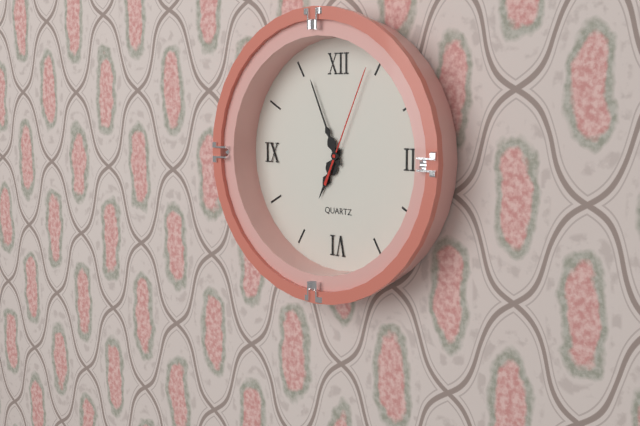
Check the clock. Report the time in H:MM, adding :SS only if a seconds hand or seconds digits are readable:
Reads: 6:56:04
